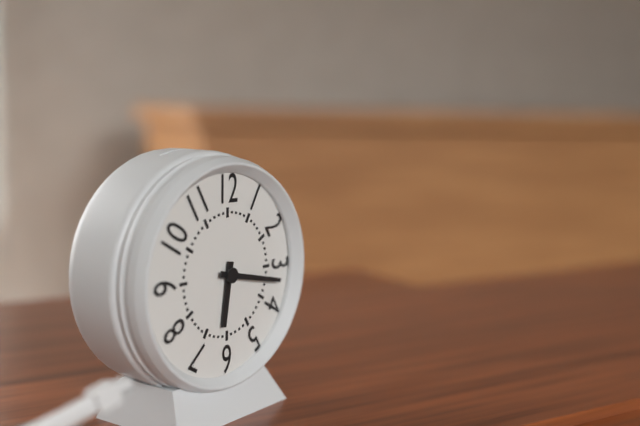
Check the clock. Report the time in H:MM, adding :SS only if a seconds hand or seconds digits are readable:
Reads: 6:17
